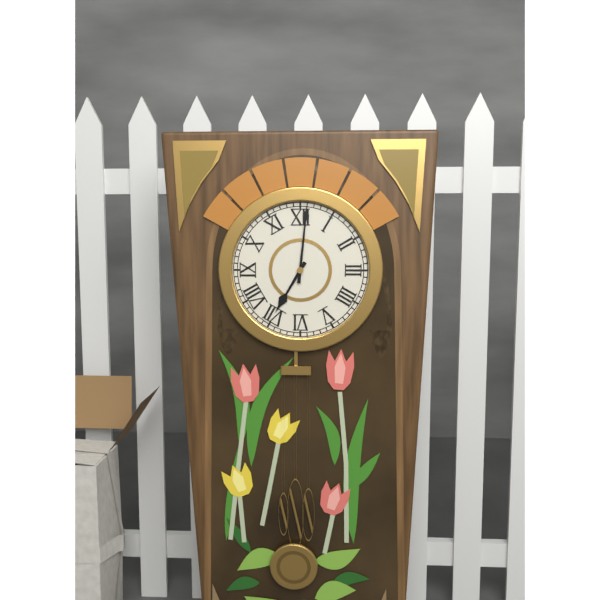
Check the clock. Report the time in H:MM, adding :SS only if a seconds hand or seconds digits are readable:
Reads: 7:01
